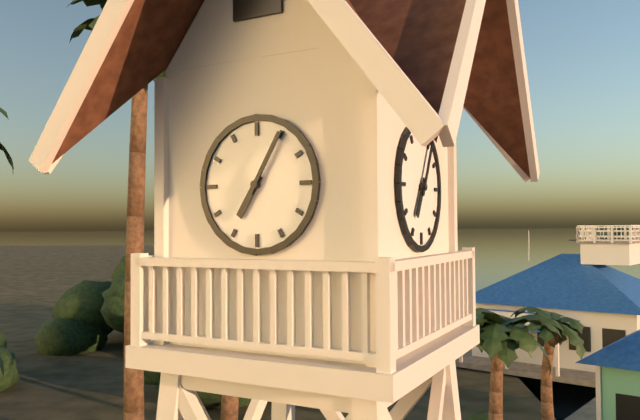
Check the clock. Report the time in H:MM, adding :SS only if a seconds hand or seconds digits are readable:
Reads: 7:05
